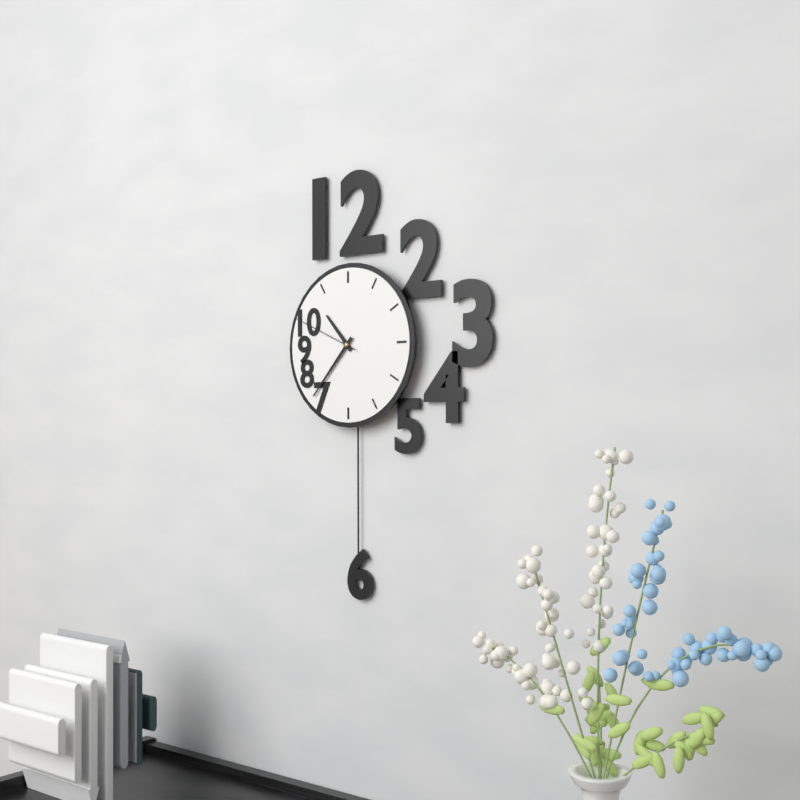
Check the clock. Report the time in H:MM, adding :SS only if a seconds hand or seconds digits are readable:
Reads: 10:37:49
